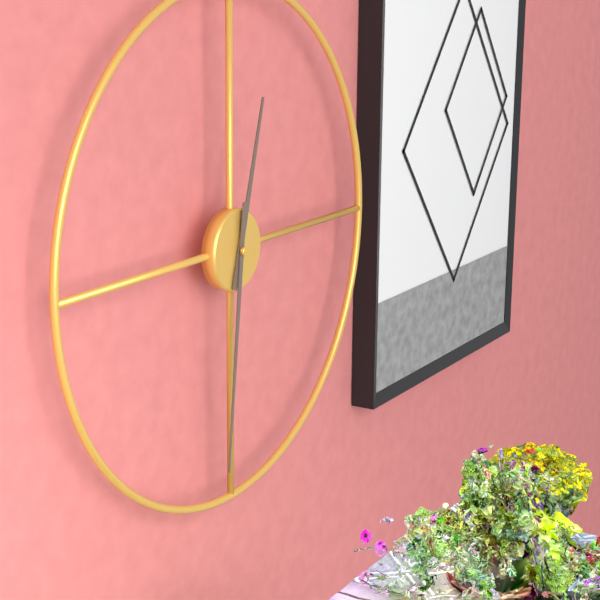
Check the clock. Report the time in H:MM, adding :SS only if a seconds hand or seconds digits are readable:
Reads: 12:31
